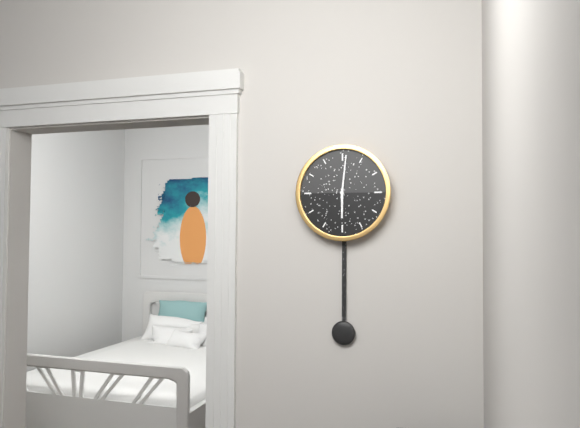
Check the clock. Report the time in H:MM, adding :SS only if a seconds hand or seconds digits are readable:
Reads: 6:01
